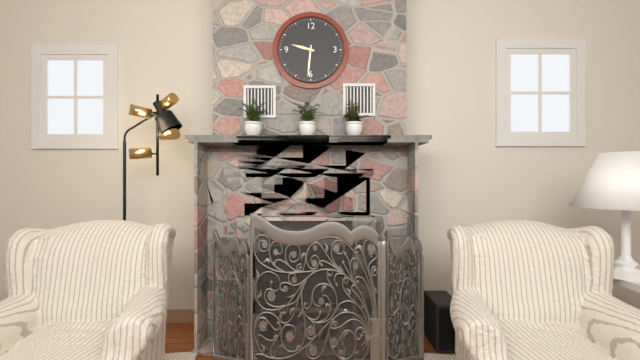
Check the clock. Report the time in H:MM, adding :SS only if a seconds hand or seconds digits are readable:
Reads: 9:31
